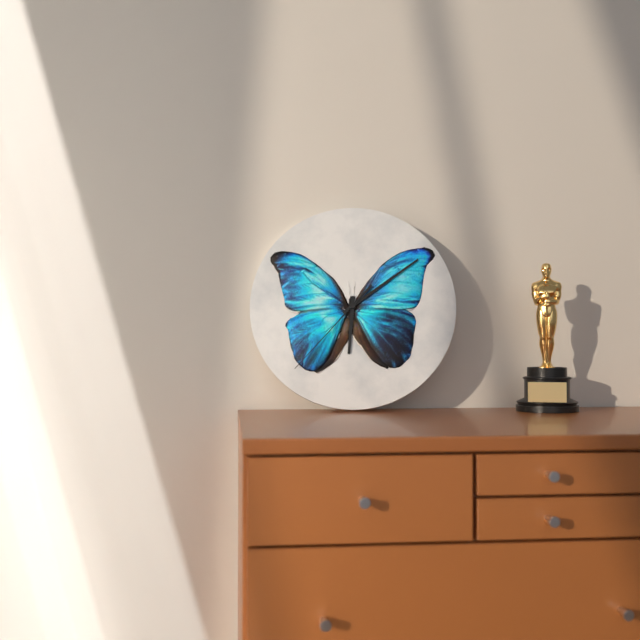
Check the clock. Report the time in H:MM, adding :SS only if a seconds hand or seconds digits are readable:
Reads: 6:09:37
